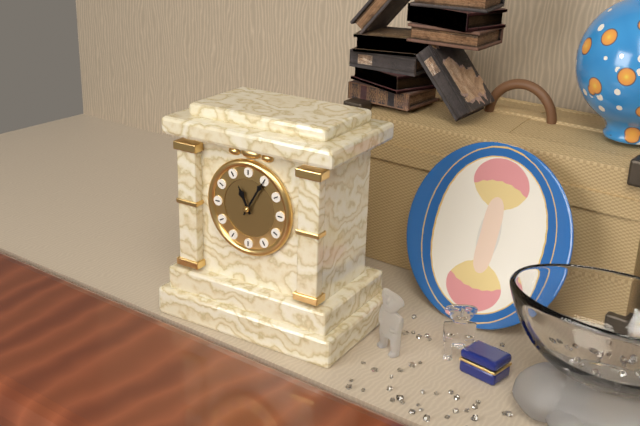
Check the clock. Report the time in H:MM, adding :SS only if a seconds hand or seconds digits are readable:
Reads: 11:05
